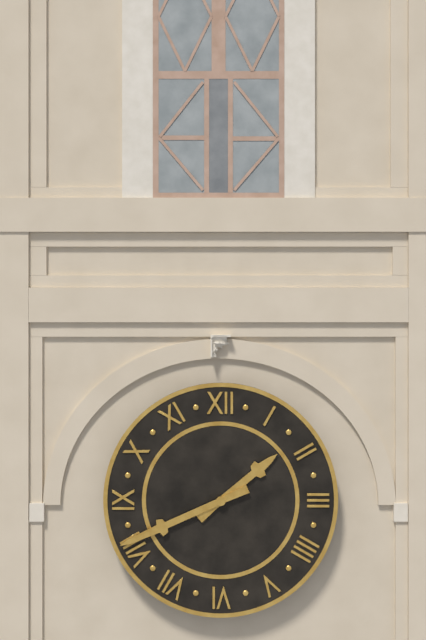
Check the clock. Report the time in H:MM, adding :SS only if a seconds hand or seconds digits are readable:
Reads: 1:41
